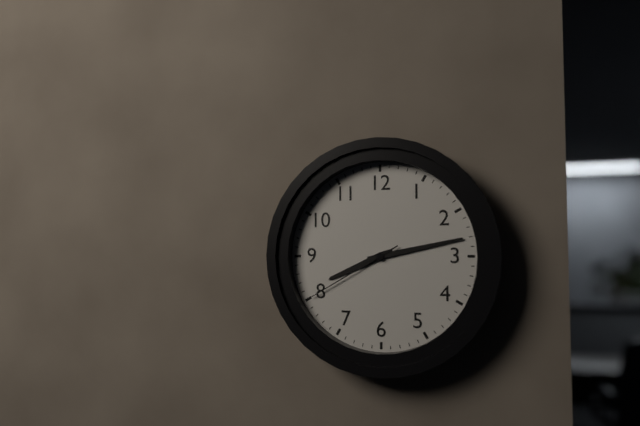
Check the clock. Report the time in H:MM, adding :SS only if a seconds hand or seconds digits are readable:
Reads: 8:13:40
